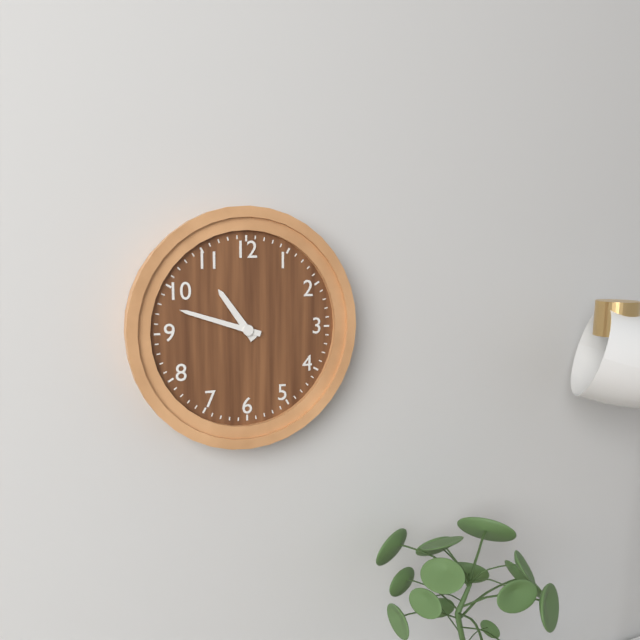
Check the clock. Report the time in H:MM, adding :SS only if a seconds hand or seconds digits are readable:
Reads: 10:48
